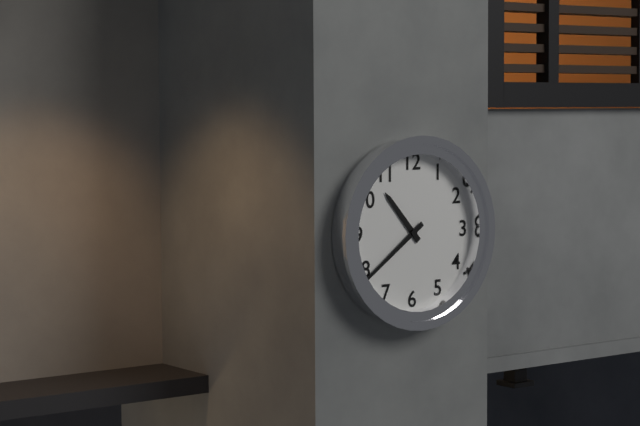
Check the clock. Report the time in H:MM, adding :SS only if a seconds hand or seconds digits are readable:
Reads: 10:39
